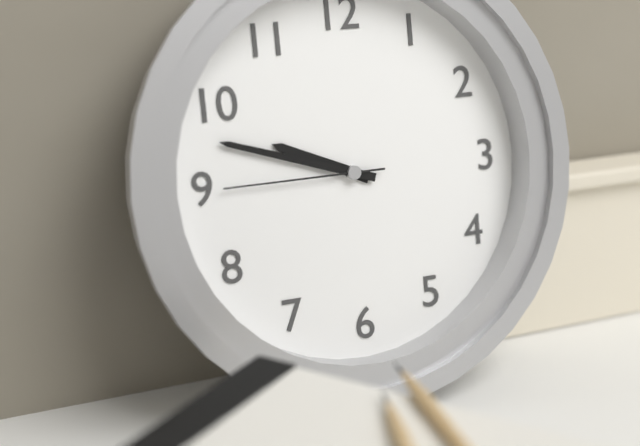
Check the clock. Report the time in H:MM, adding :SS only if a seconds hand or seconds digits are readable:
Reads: 9:48:45
